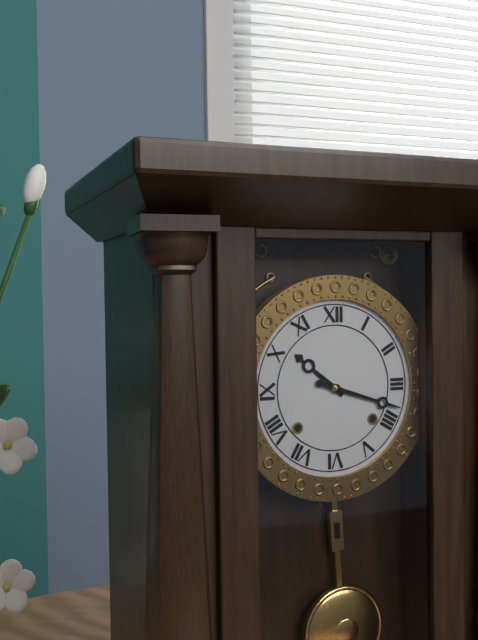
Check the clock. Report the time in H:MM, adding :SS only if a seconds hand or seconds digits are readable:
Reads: 10:18
